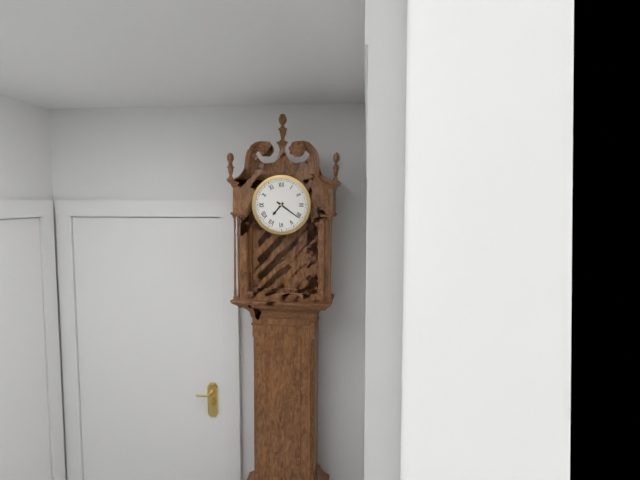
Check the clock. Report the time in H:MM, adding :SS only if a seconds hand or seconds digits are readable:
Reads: 7:21
